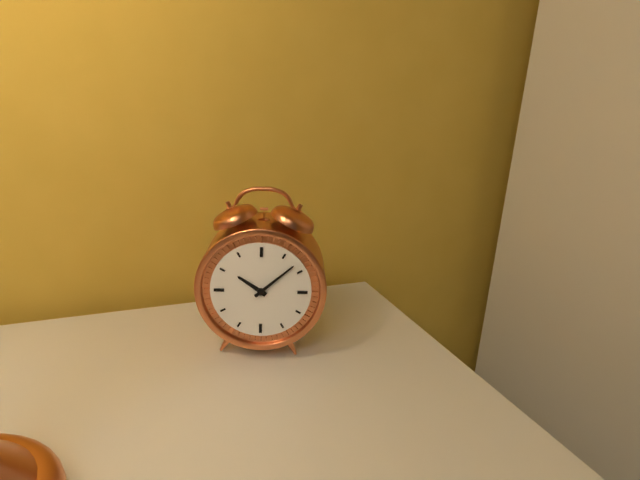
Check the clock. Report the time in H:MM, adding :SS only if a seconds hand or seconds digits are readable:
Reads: 10:08
